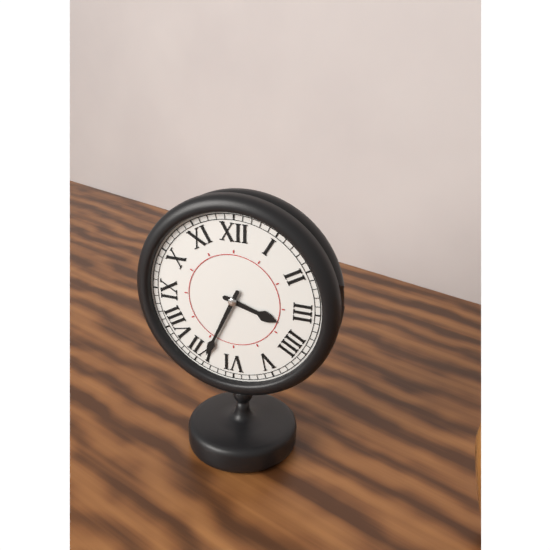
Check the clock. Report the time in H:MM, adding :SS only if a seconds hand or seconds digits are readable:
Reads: 3:34
